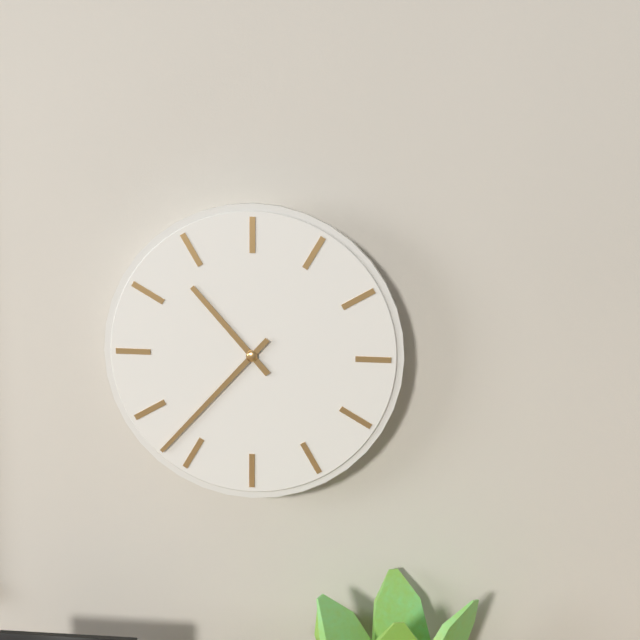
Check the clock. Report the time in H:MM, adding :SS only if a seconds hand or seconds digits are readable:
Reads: 10:37
